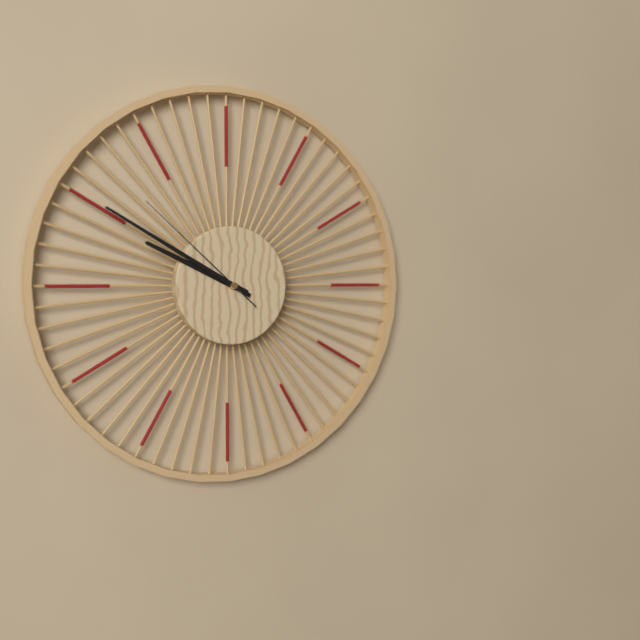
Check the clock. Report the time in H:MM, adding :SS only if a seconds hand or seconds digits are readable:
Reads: 9:50:52
